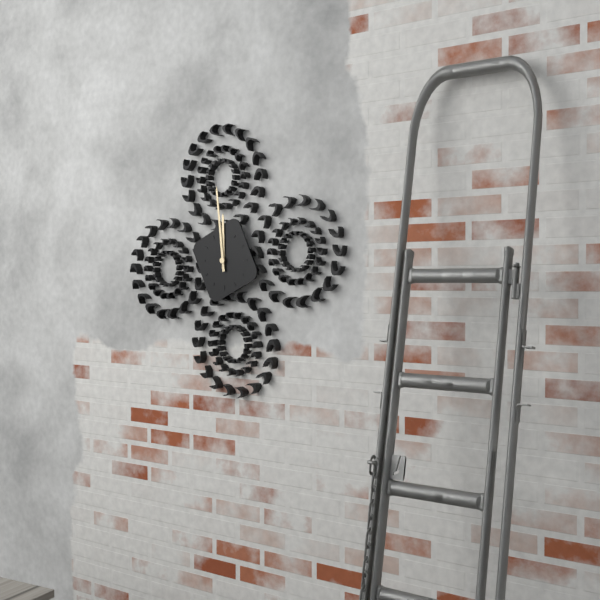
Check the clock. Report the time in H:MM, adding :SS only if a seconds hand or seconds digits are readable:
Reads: 11:59
